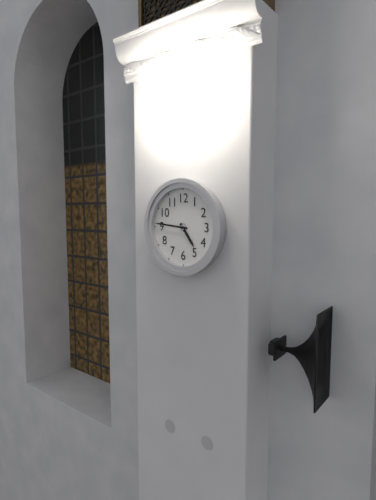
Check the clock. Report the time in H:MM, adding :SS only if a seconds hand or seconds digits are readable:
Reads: 4:46
